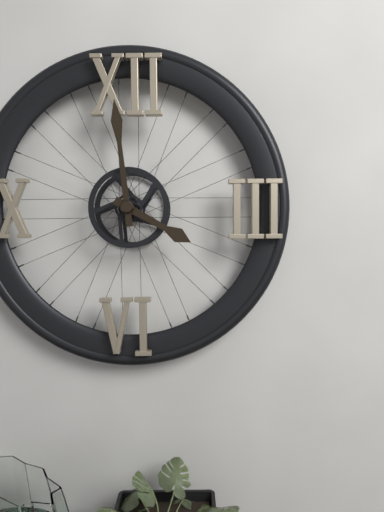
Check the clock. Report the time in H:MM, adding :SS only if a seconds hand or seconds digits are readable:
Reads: 3:59
